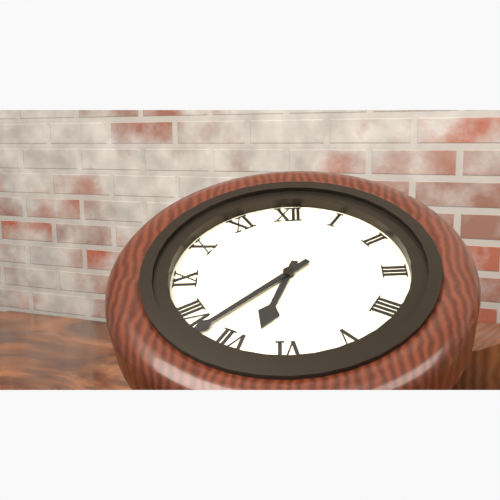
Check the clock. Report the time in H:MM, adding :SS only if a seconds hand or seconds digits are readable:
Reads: 6:38
